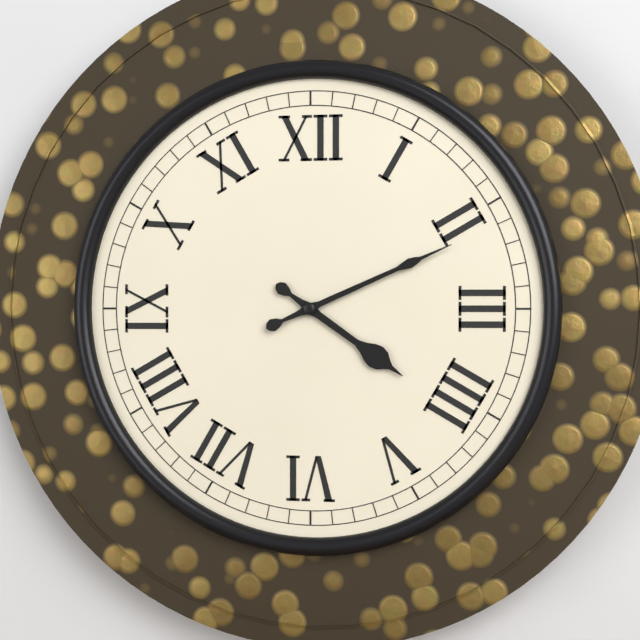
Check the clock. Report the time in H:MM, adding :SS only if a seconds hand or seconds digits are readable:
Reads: 4:11
